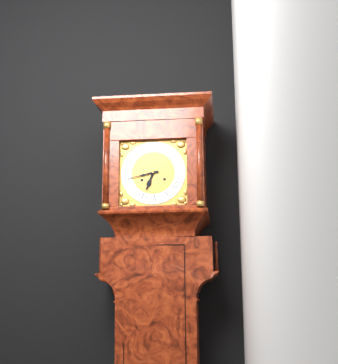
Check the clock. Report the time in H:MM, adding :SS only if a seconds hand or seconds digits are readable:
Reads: 6:43
